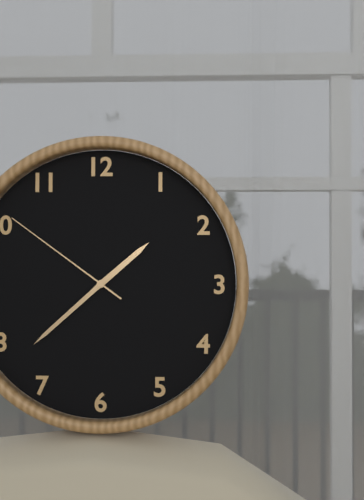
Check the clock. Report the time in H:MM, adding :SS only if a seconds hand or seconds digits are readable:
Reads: 1:38:51
